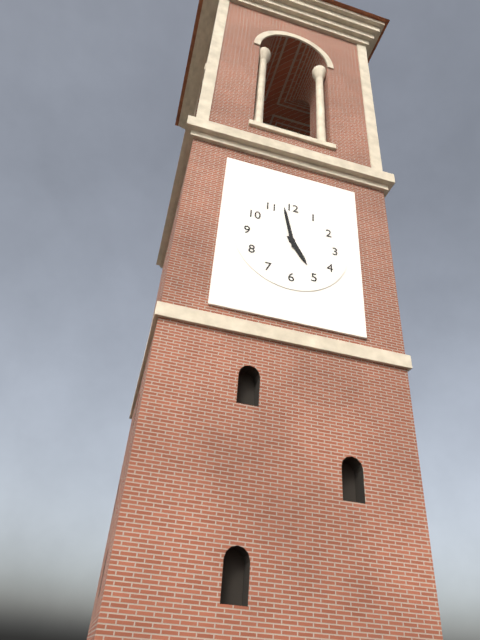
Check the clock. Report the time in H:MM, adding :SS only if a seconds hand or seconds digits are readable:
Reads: 4:58
